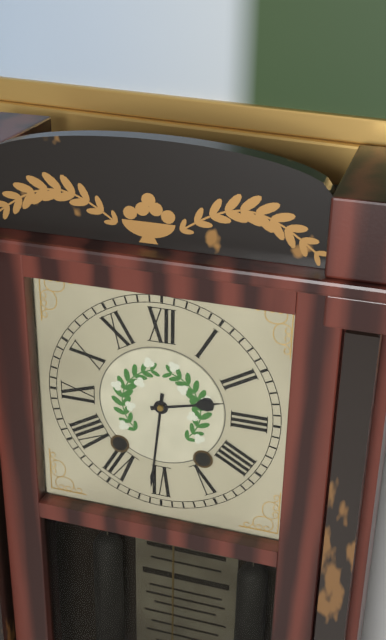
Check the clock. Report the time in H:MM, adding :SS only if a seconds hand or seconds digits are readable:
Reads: 2:31
